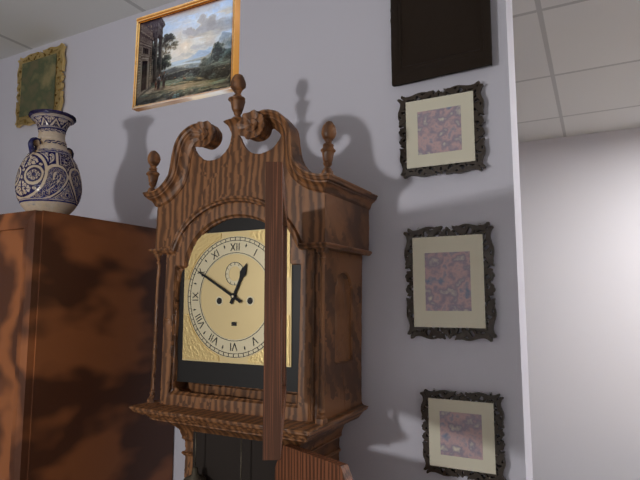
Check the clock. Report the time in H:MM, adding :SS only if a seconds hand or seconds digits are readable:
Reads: 12:50
